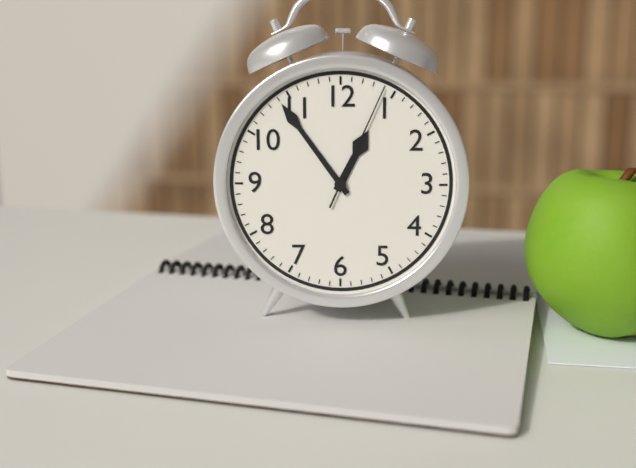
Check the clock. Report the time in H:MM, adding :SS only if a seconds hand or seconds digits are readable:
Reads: 12:54:04
